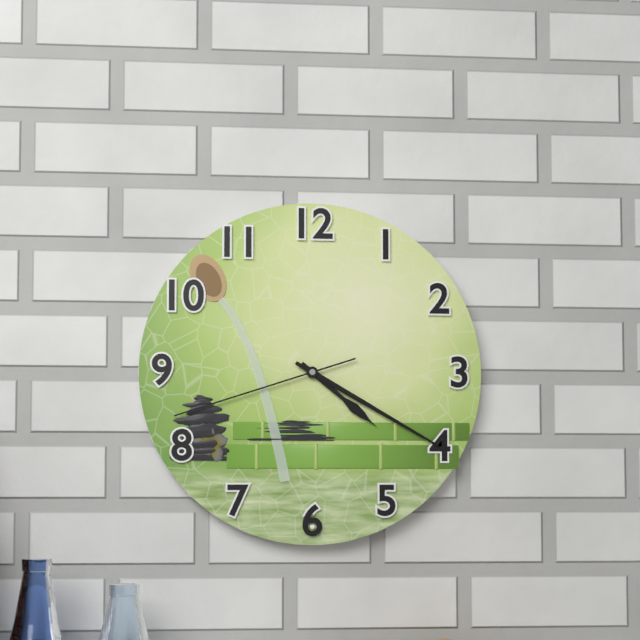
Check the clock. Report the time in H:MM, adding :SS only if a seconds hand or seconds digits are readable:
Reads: 4:20:42
